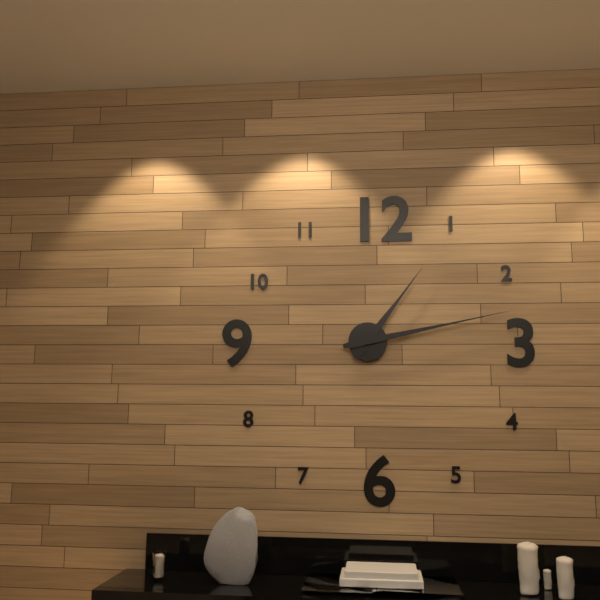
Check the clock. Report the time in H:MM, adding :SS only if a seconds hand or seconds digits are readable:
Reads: 1:13
